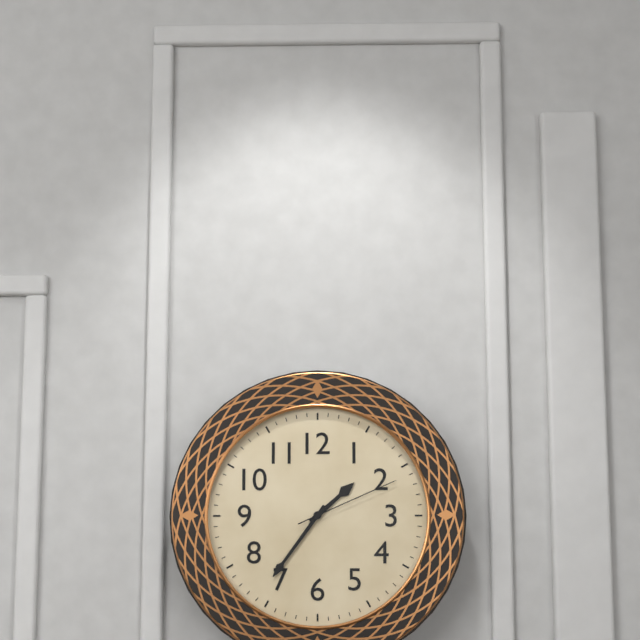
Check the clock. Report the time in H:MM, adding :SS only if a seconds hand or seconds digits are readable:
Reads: 1:36:11
